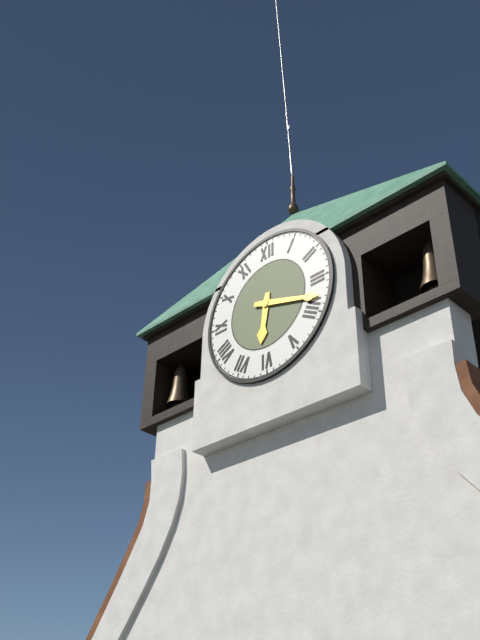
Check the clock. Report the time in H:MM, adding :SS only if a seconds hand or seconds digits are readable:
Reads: 6:18
